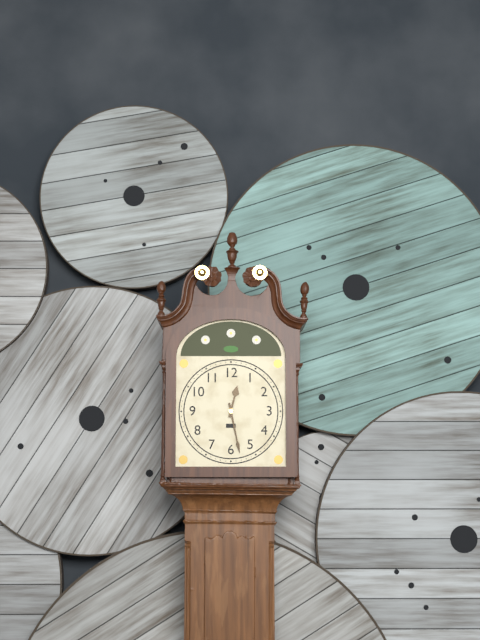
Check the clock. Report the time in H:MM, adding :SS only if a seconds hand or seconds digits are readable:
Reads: 12:28
